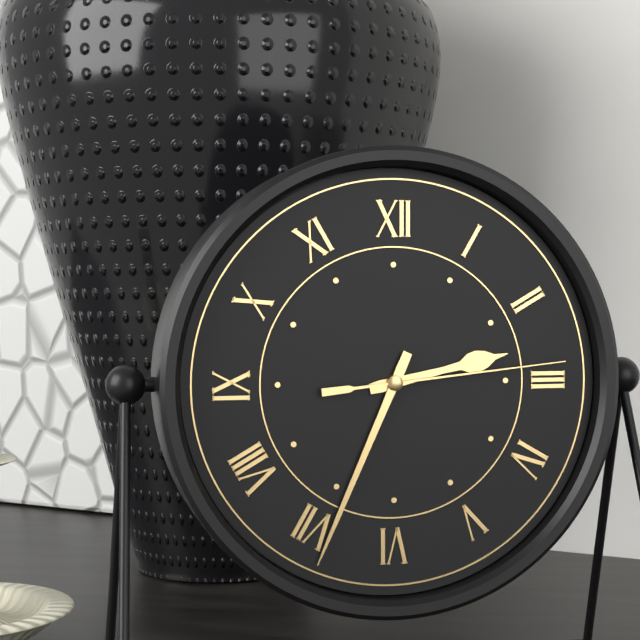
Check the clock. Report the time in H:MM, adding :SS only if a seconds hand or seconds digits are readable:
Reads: 2:34:14
